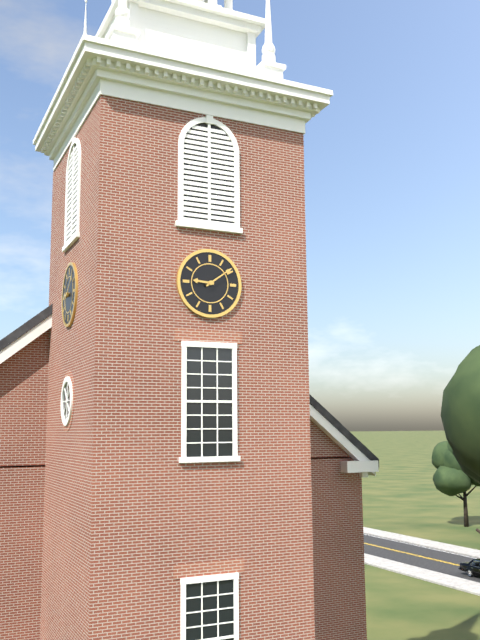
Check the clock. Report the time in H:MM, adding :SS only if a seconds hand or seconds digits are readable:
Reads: 9:09
